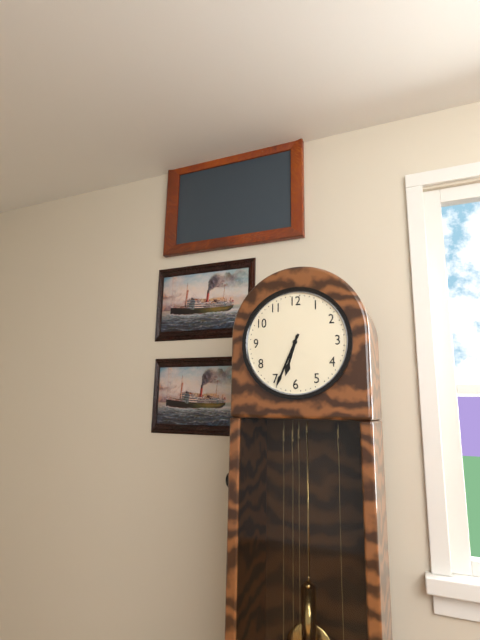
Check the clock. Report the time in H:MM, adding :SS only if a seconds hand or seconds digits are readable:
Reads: 6:34
